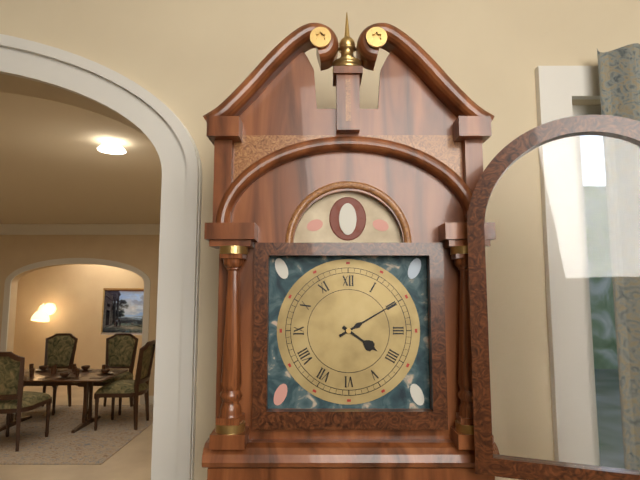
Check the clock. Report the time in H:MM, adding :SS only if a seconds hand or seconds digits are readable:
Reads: 4:10
